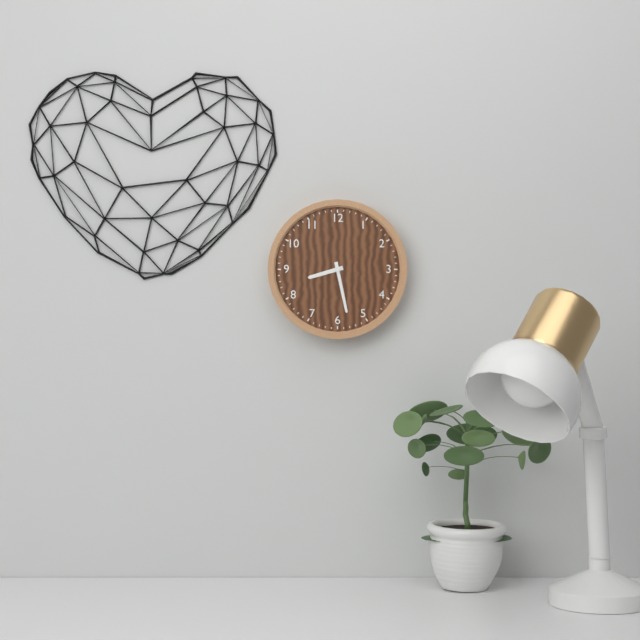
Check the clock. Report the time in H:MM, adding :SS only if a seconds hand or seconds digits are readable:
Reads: 8:28
